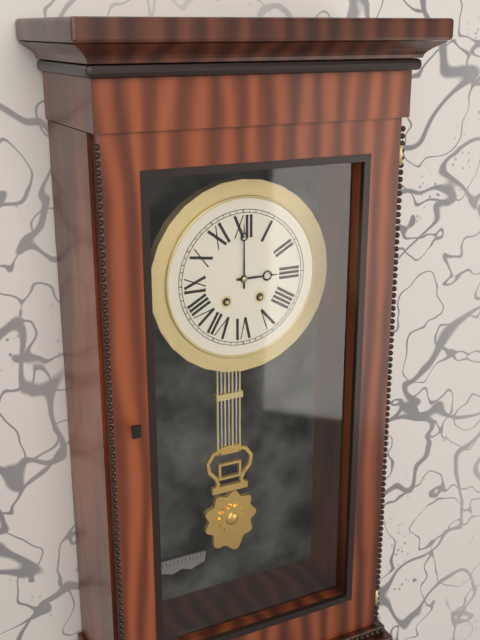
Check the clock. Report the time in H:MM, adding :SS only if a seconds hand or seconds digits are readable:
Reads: 3:00
